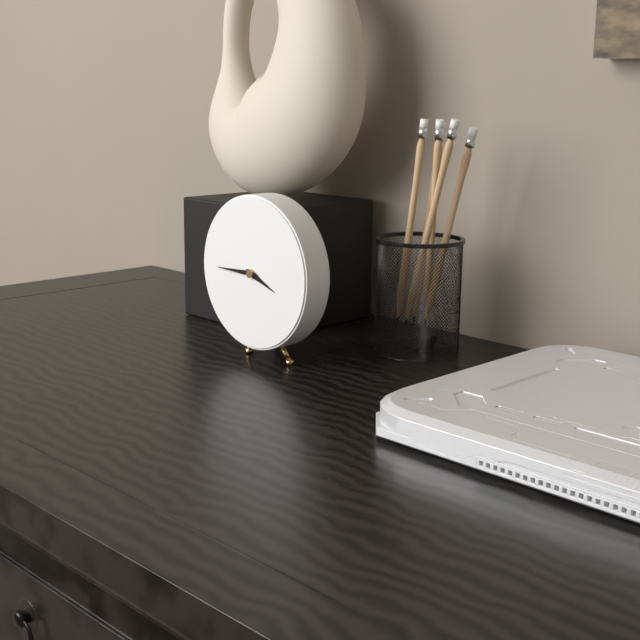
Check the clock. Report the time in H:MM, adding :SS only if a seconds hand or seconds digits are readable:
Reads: 3:45
